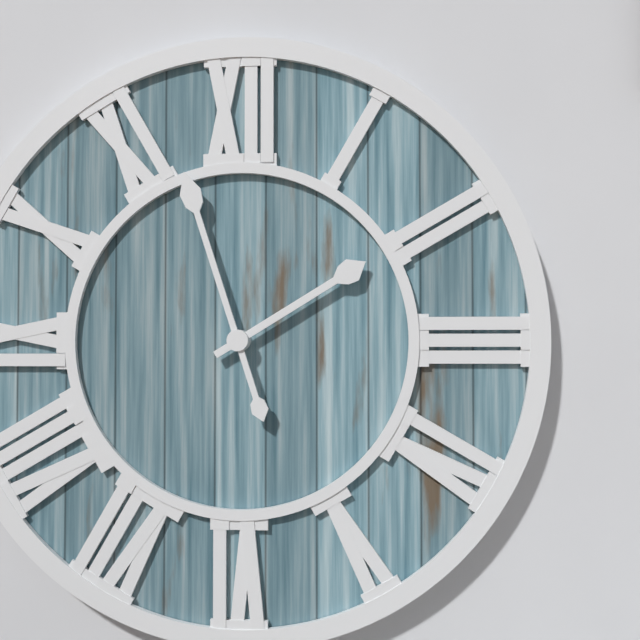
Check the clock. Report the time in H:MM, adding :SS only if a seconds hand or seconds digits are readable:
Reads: 1:57
